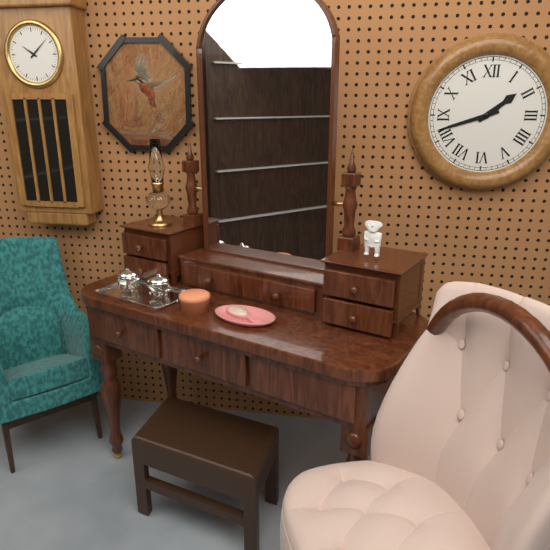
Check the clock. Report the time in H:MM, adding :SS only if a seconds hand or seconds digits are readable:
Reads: 1:42
